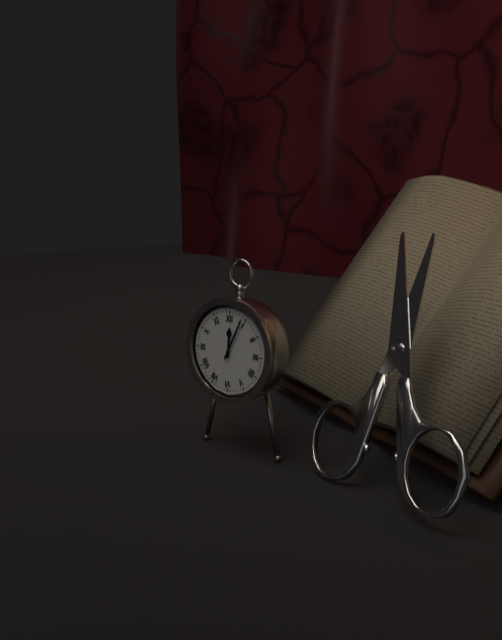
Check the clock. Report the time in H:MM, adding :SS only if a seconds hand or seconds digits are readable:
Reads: 12:04
